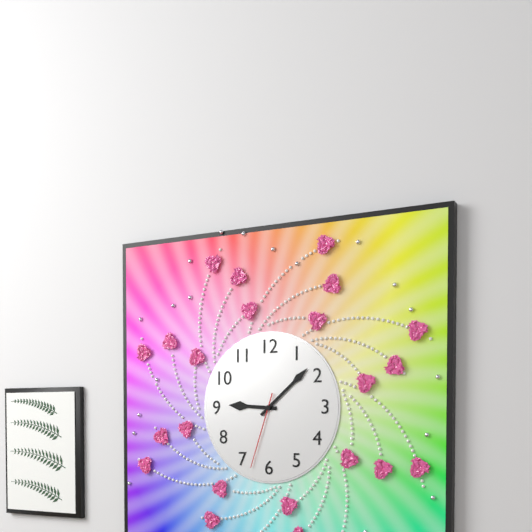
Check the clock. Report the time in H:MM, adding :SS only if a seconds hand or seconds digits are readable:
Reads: 9:08:33
